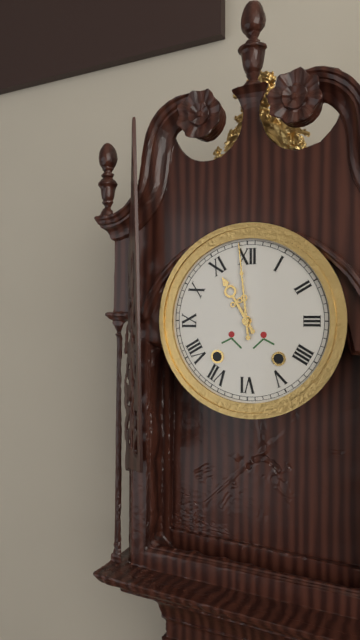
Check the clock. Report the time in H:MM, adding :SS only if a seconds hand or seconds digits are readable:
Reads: 10:59
